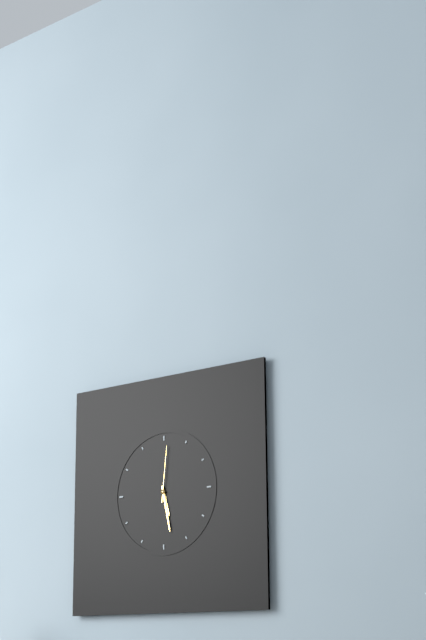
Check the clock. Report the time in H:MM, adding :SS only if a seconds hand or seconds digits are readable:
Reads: 5:28:01
